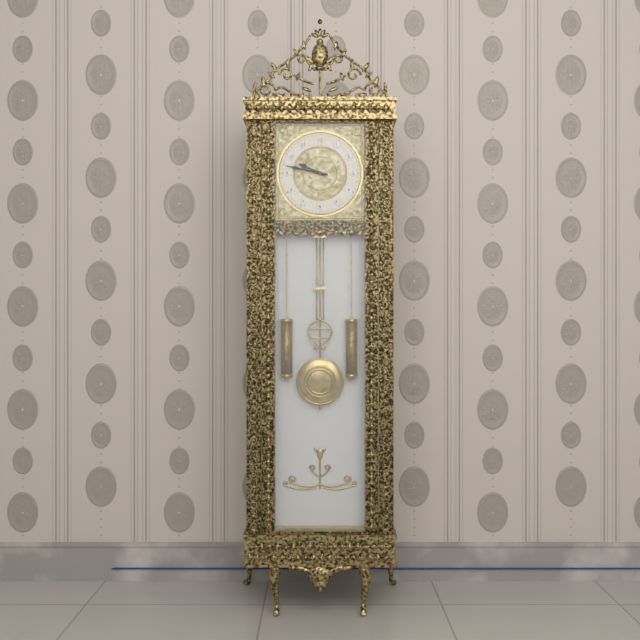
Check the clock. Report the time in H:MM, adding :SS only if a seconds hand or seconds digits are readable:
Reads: 9:47
